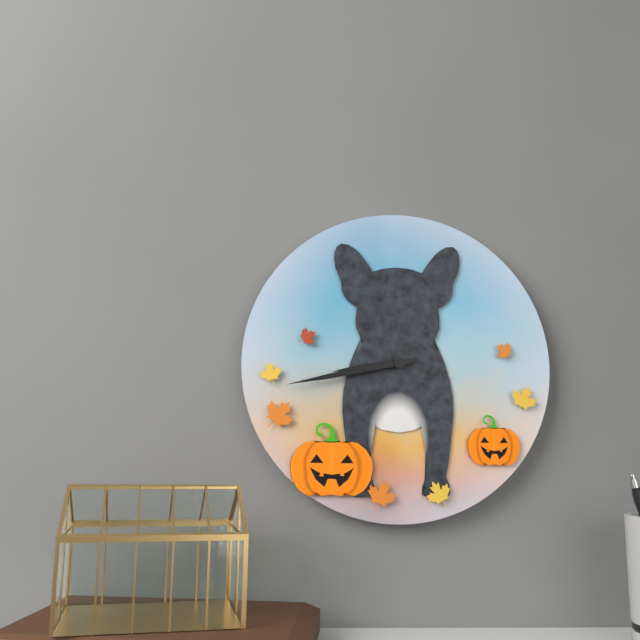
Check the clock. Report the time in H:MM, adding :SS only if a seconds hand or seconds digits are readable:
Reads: 8:43
